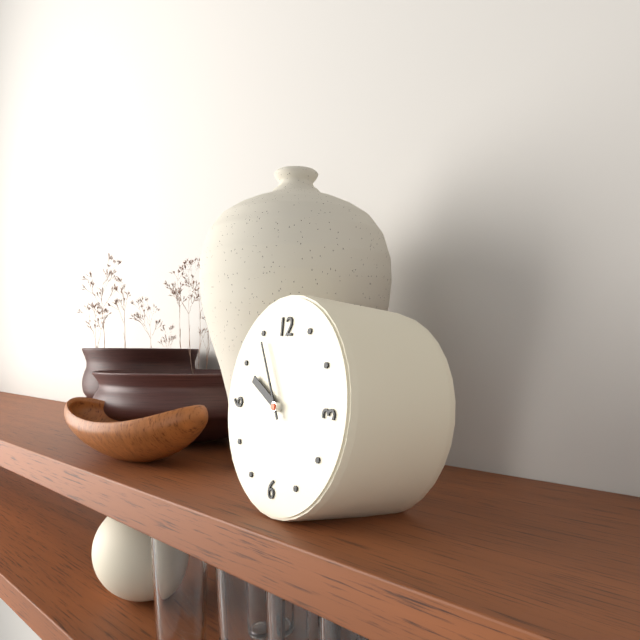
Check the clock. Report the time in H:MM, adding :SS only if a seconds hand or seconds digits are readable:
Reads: 9:55
